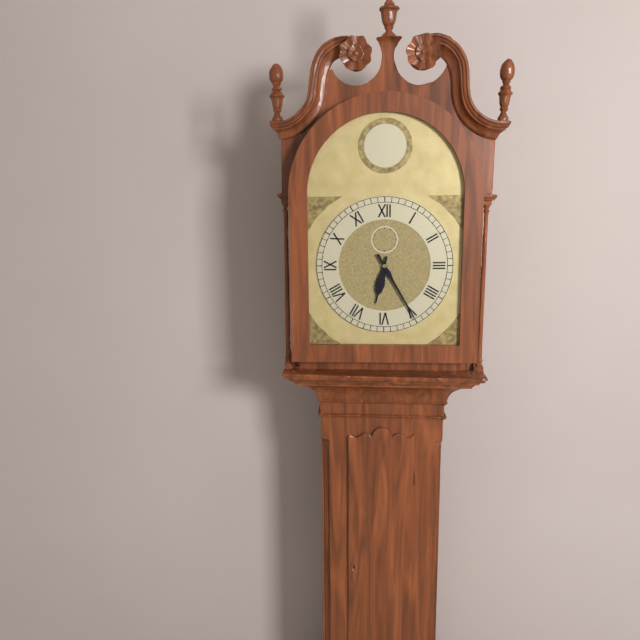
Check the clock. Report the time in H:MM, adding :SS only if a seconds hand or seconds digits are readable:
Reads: 6:25
